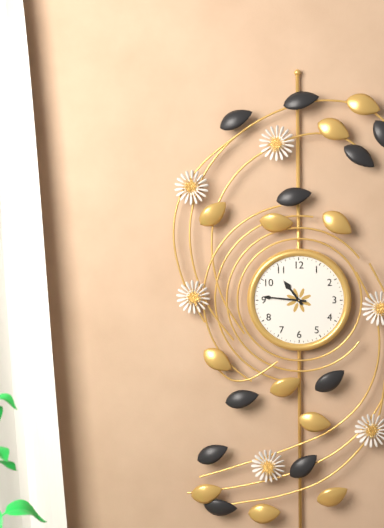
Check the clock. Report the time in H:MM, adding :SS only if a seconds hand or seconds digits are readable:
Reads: 10:46
